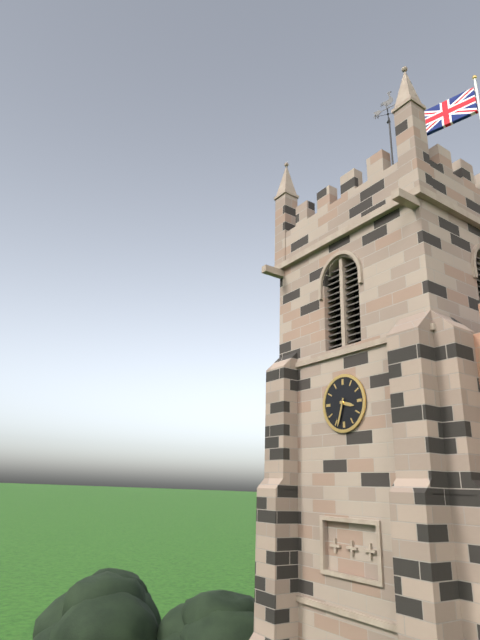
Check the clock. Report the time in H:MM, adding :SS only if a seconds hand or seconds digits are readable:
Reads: 3:33
